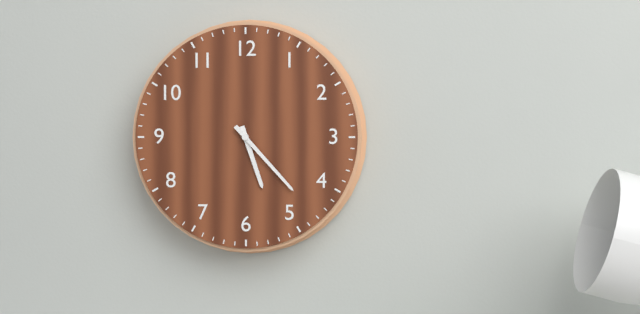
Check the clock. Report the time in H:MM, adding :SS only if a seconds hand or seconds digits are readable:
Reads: 5:23
